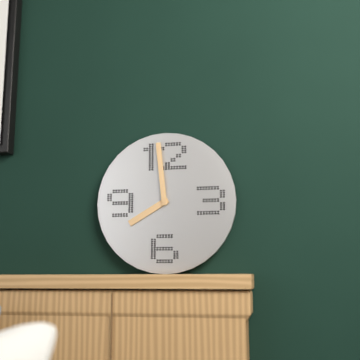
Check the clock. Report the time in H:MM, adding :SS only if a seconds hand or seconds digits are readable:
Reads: 7:59
